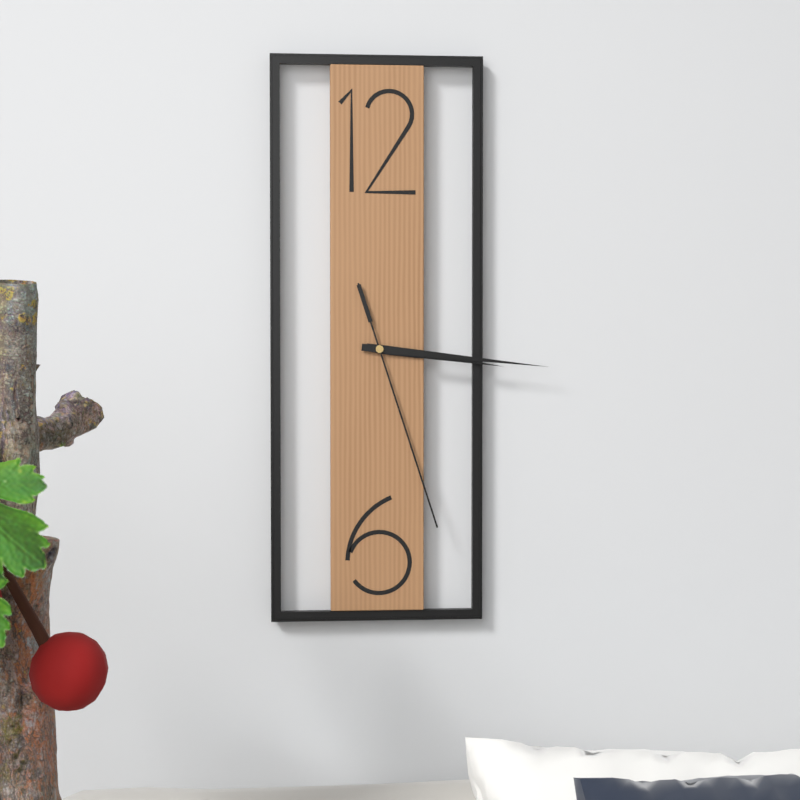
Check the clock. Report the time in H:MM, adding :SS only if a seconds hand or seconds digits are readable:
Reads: 3:16:27
